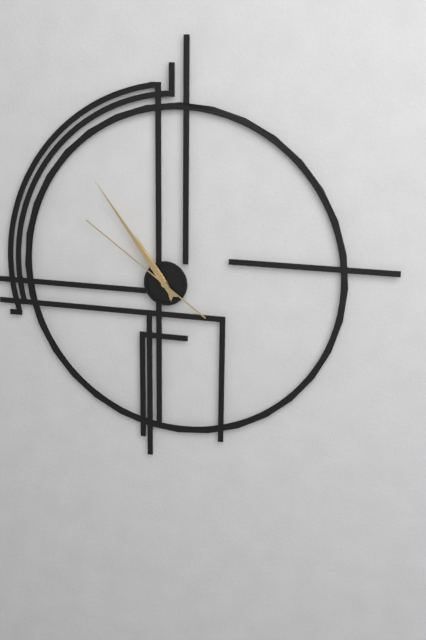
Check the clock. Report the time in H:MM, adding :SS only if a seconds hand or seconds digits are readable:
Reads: 10:54:51
